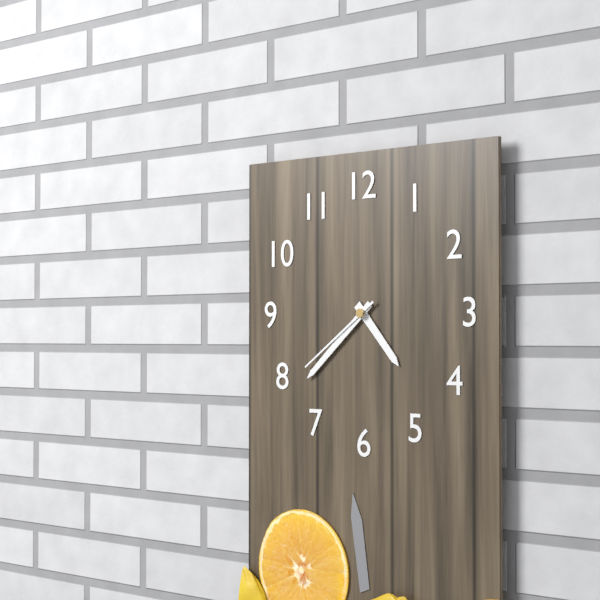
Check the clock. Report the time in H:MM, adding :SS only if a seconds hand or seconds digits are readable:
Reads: 4:38:39
